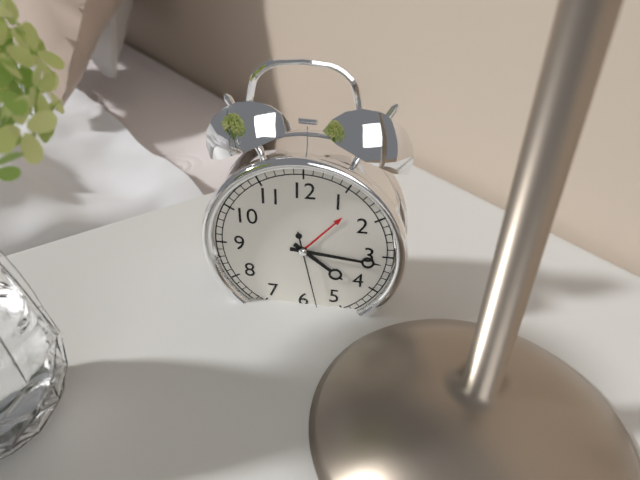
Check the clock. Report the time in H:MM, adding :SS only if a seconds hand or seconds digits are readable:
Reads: 4:16:28
